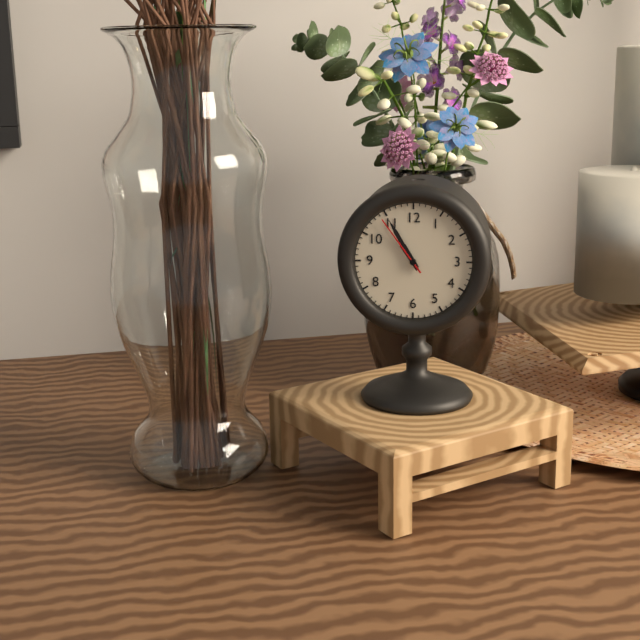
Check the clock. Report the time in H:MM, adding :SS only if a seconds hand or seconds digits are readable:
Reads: 10:55:54
